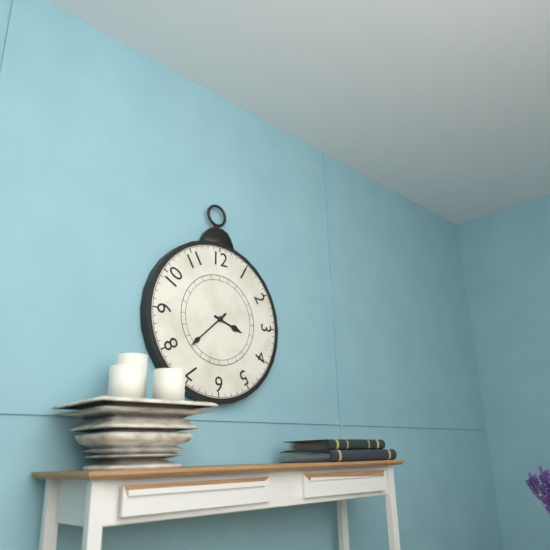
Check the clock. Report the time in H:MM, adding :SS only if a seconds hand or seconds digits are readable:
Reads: 3:38
